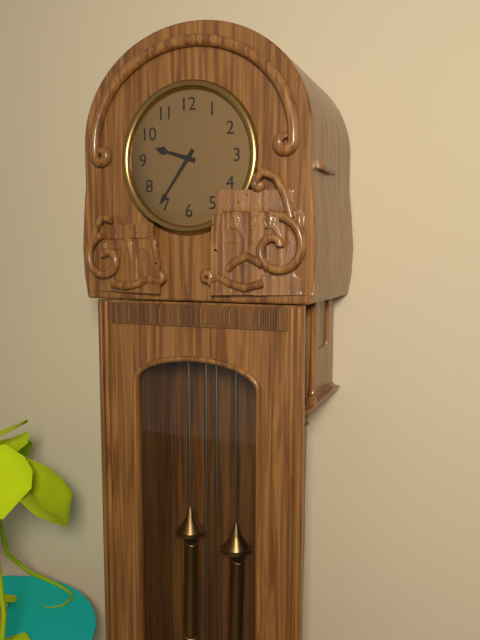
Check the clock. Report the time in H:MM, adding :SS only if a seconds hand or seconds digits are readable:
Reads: 9:36
